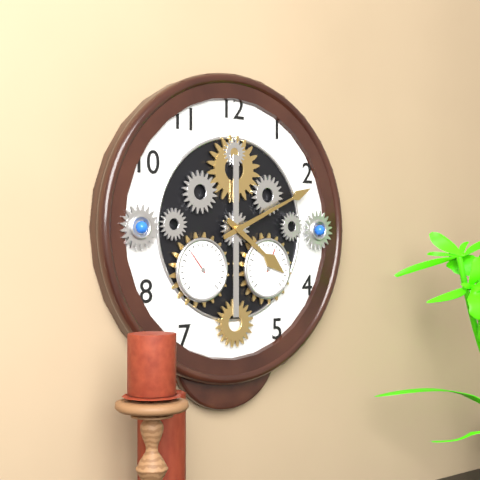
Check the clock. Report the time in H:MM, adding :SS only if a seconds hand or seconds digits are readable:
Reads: 4:11
